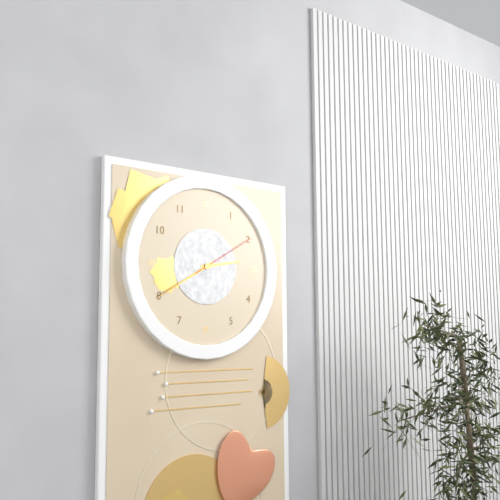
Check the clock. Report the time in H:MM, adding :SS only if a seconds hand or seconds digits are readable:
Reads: 2:40:10
